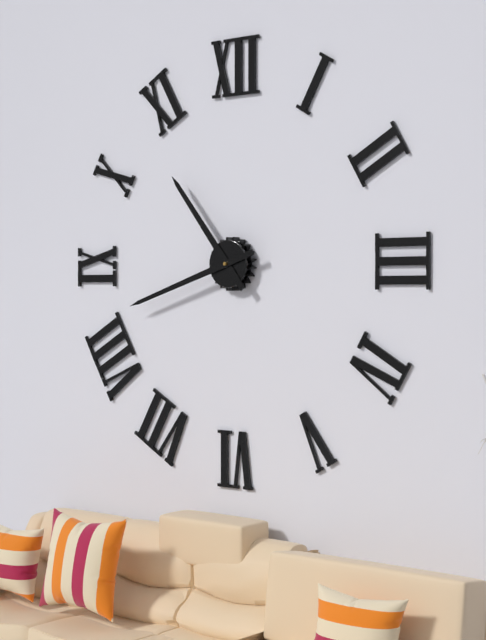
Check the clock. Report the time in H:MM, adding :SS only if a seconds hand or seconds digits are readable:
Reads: 10:42
